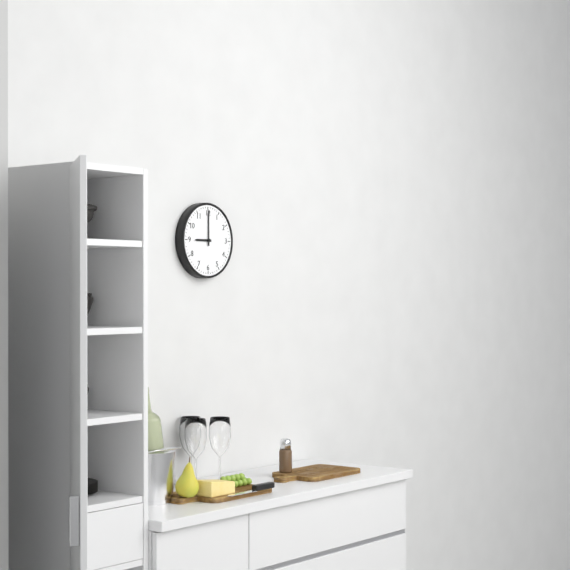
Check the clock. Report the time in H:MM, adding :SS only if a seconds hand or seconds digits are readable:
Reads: 9:00
